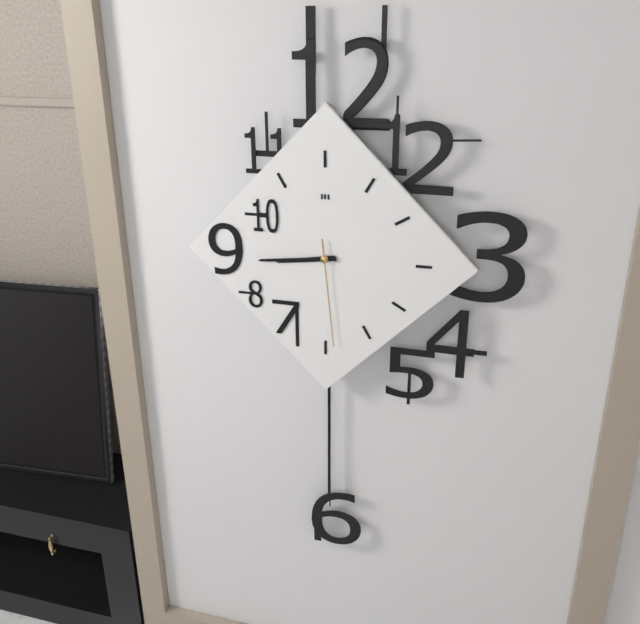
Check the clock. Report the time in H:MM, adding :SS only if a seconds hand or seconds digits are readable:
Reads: 8:44:29
